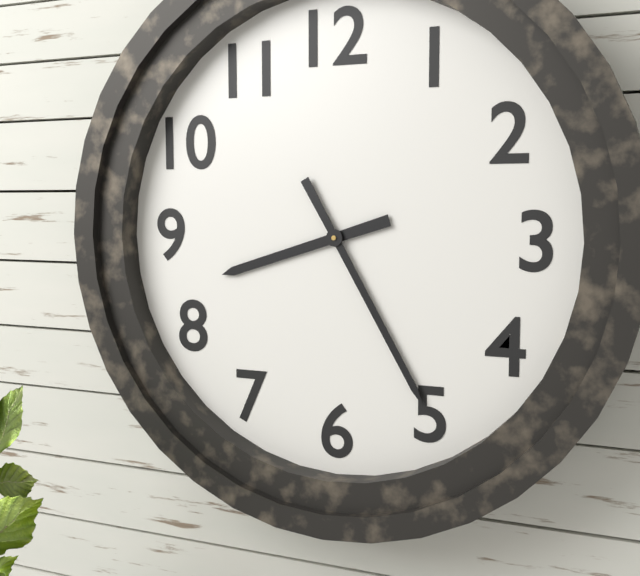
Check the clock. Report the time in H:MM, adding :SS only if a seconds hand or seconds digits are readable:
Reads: 8:25
